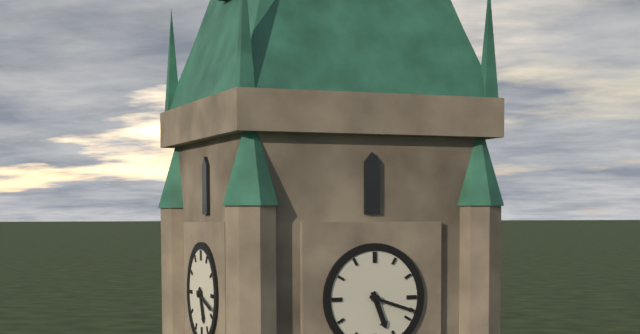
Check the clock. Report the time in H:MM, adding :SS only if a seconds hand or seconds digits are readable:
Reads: 5:18
